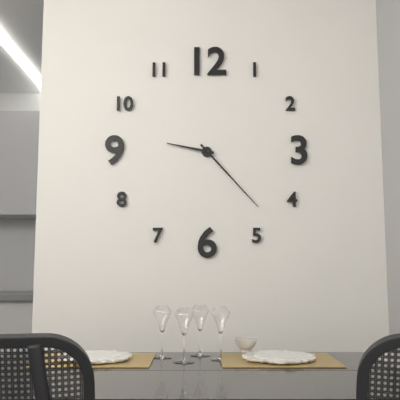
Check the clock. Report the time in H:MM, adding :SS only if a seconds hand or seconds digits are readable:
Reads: 9:23
